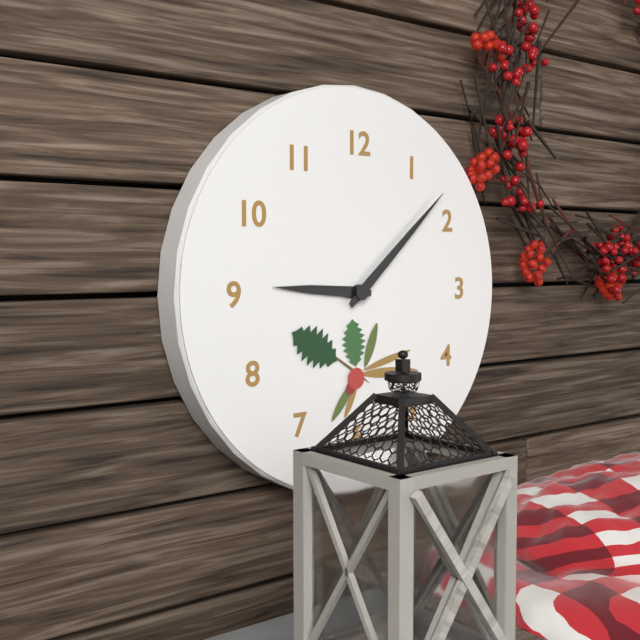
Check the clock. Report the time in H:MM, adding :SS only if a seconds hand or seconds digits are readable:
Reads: 9:08
